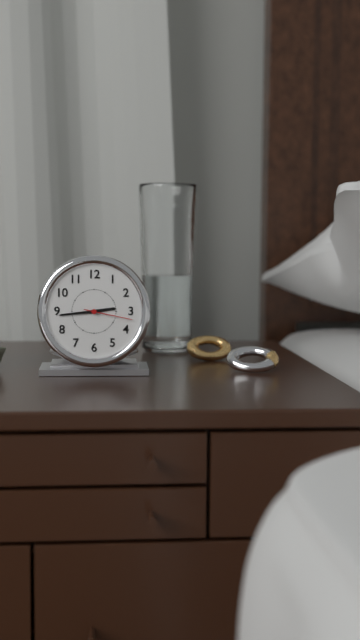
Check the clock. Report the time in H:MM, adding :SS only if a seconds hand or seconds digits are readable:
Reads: 2:44:17
